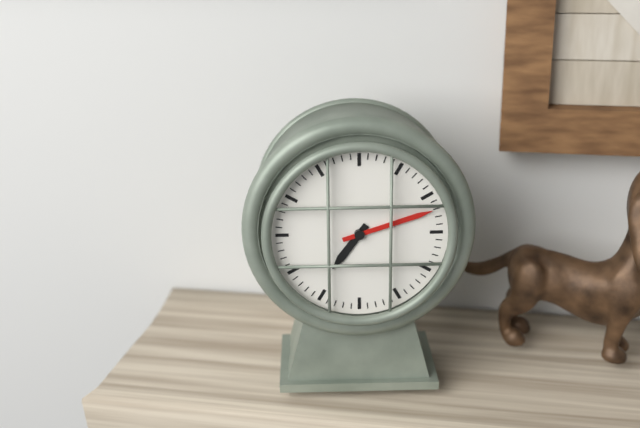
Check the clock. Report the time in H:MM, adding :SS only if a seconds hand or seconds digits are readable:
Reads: 7:12
